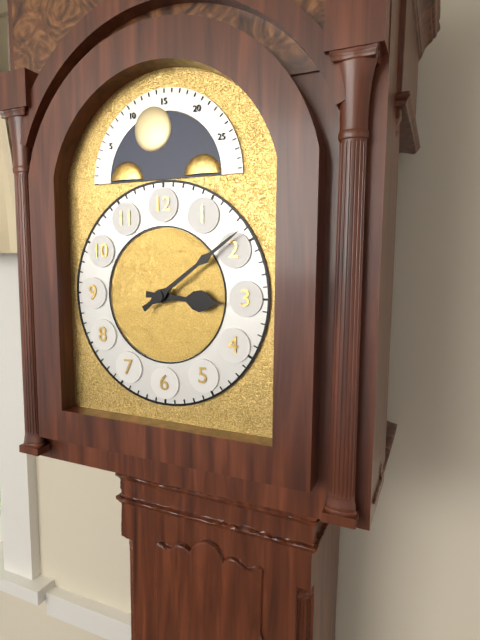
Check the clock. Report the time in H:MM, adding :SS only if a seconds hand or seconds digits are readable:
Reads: 3:09
